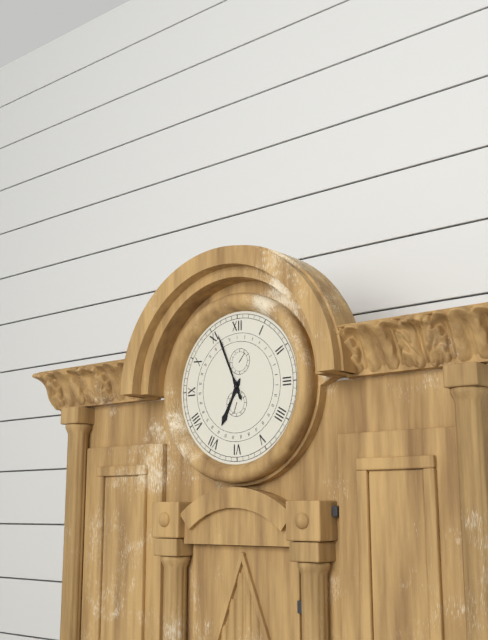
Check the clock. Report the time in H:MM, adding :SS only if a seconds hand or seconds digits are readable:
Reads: 6:56
